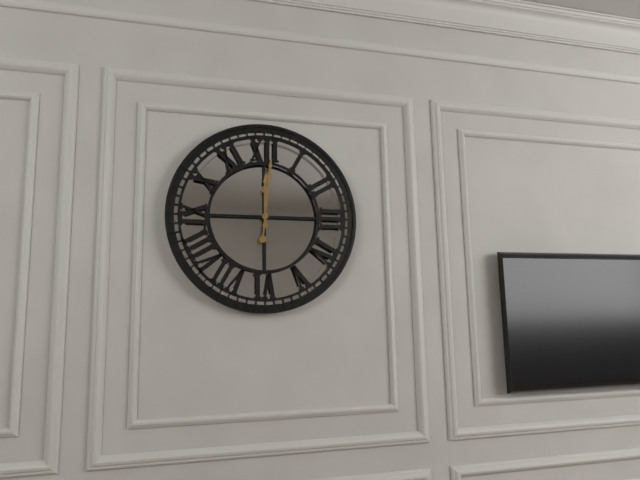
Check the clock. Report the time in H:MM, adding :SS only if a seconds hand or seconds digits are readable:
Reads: 12:01
